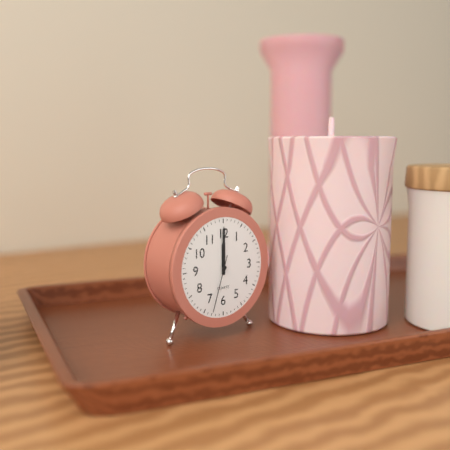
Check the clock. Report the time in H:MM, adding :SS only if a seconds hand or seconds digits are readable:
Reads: 12:00:33
